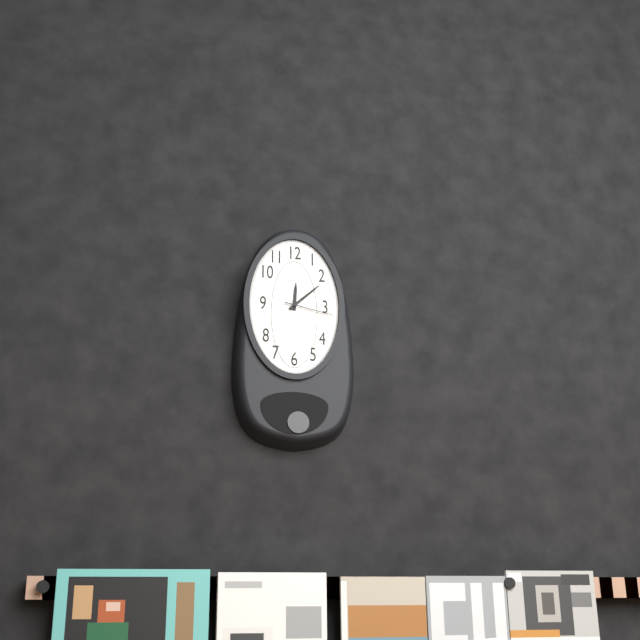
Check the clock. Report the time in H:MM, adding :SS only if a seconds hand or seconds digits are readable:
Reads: 12:08:17
